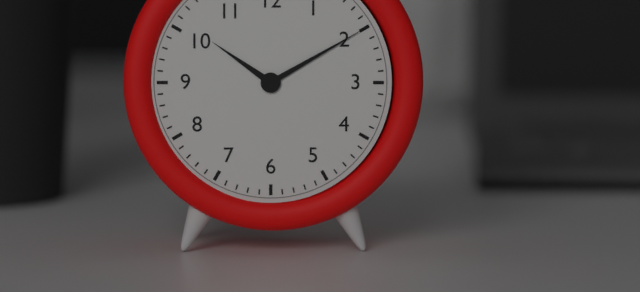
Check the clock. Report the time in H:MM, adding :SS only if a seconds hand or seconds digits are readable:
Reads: 10:10
